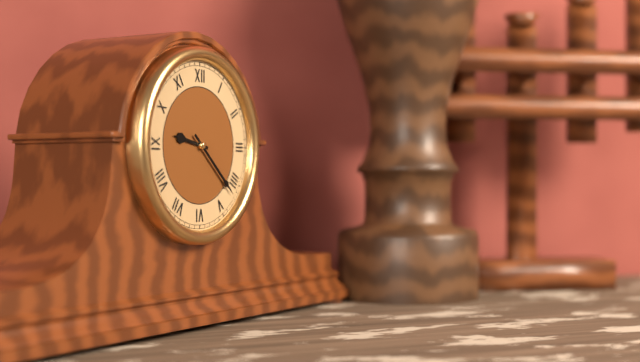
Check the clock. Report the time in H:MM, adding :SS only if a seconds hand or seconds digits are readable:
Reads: 9:22
